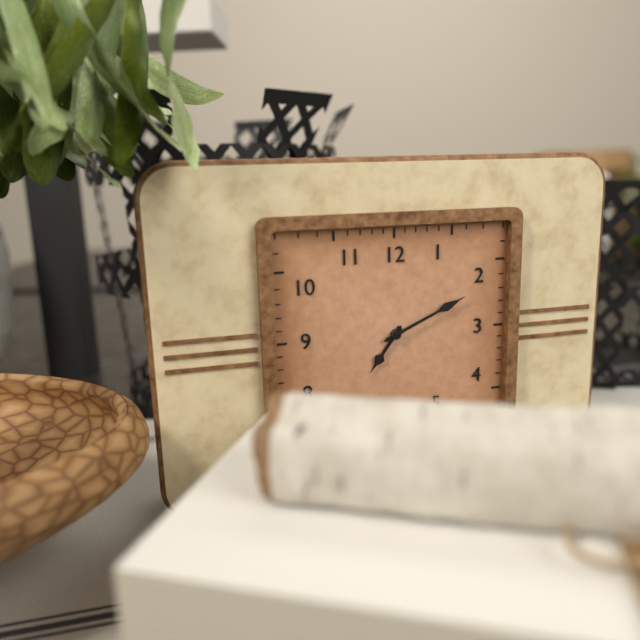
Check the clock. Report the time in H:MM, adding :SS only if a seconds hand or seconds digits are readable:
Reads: 7:11
